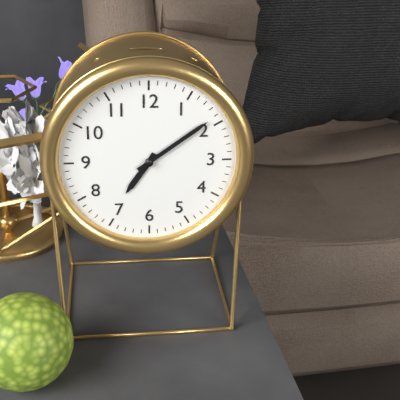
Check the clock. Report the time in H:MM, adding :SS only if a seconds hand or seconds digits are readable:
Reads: 7:09
